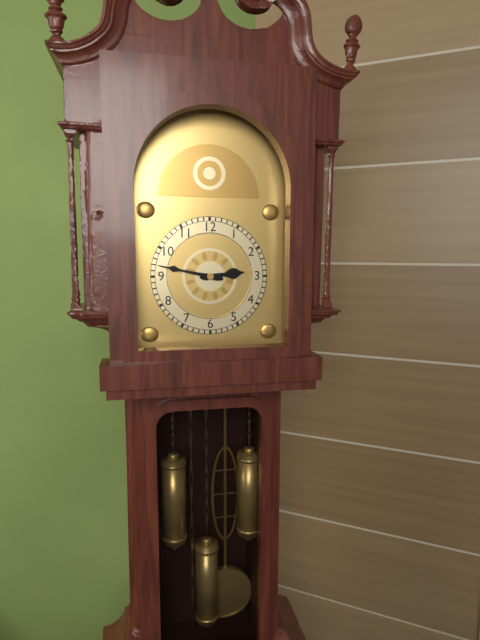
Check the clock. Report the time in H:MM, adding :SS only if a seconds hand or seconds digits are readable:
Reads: 2:47
